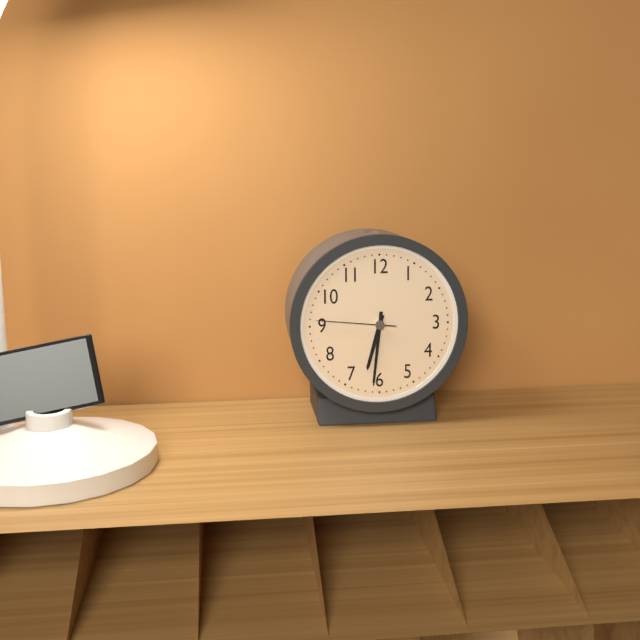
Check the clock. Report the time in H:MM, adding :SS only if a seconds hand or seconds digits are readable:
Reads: 6:31:46
